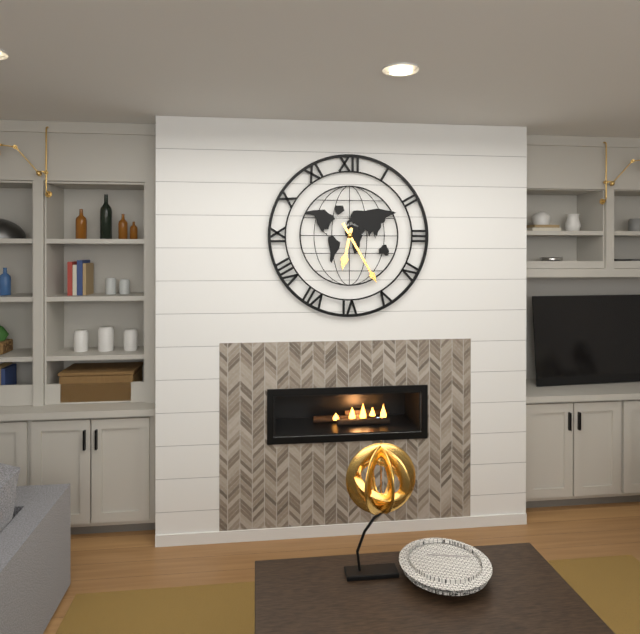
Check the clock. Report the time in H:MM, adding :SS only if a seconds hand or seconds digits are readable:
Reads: 6:25
